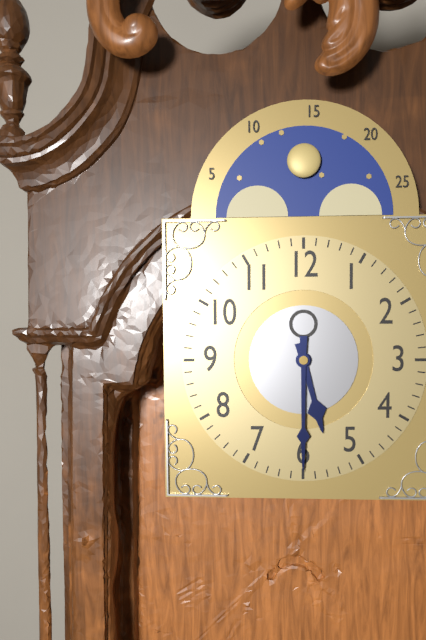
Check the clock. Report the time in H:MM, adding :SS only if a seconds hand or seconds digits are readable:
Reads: 5:30
